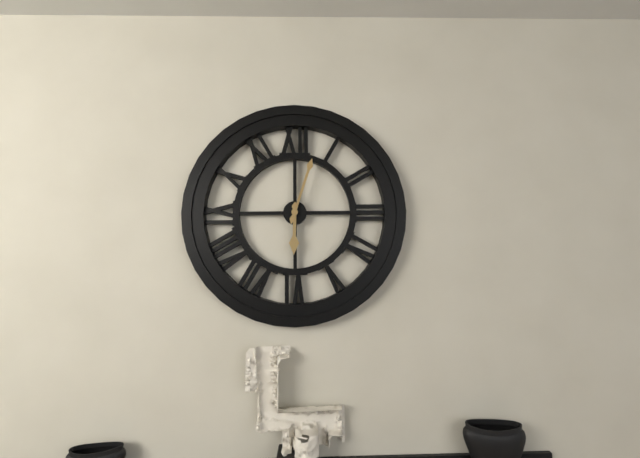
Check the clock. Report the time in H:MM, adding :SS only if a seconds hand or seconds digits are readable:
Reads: 6:03
